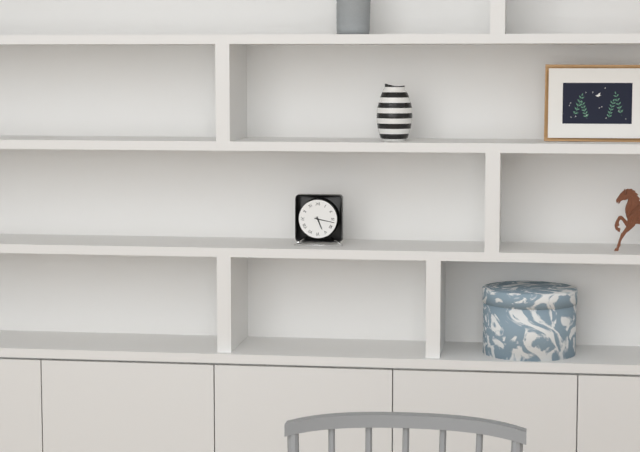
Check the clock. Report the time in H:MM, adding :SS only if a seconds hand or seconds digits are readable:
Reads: 5:17
